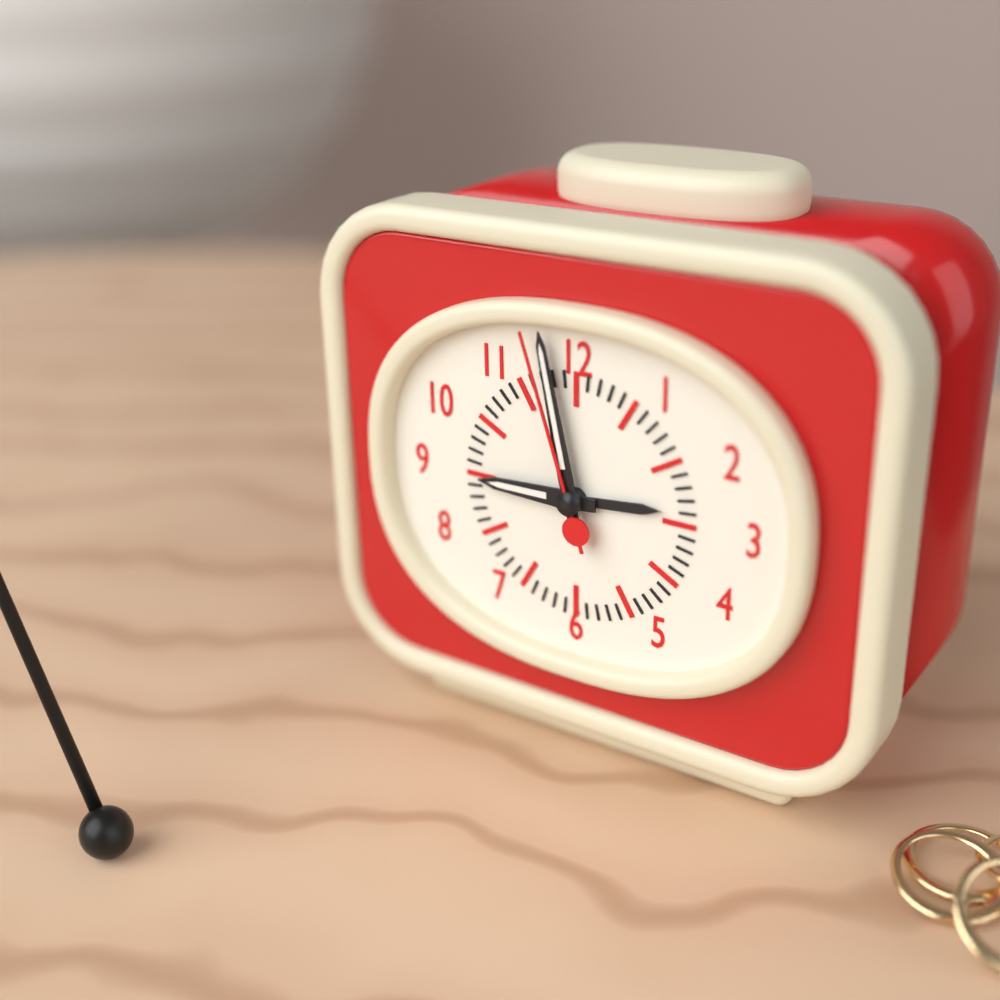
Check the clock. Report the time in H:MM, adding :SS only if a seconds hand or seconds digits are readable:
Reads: 8:58:57
